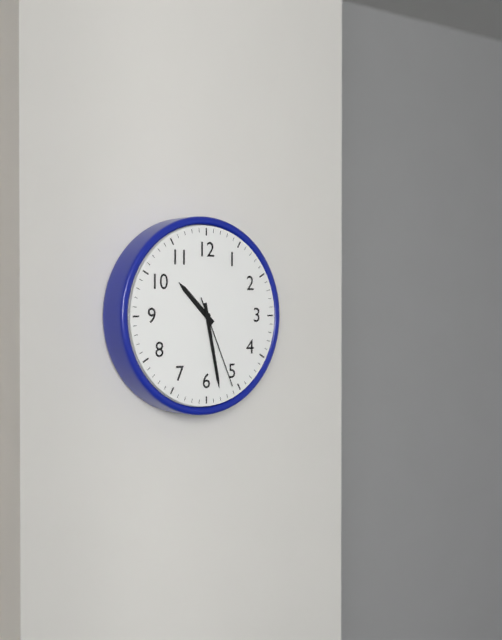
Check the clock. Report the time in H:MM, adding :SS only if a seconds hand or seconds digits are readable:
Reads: 10:28:26
